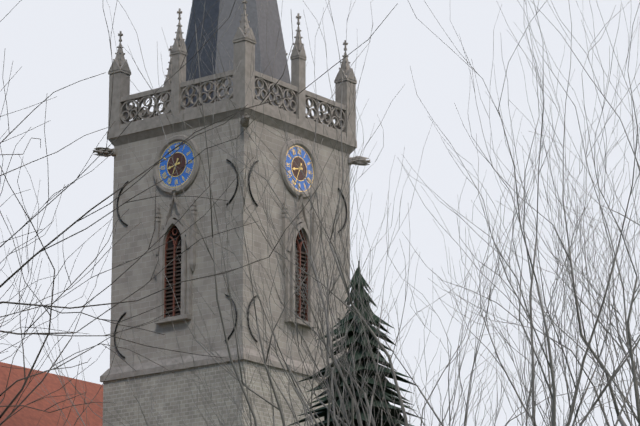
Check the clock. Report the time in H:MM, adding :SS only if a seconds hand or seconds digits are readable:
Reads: 8:34
